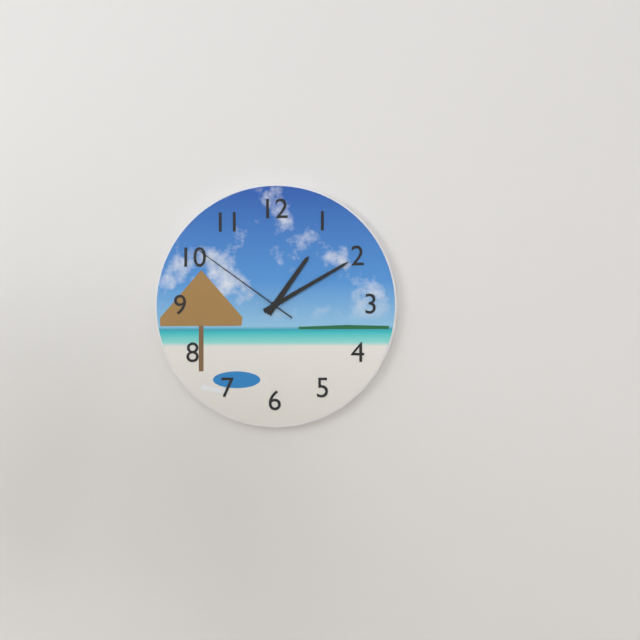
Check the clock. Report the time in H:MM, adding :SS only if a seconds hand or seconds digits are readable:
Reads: 1:10:51
